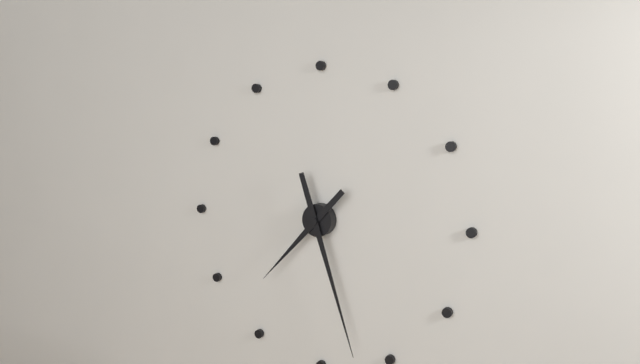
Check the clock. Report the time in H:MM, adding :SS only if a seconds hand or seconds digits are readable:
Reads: 7:27
